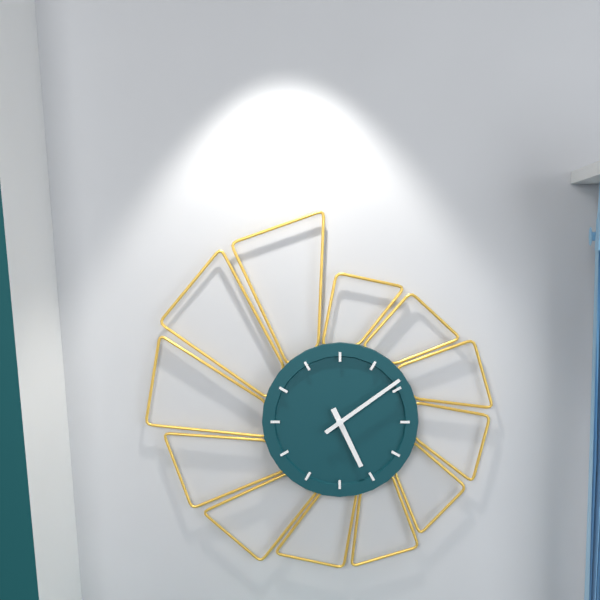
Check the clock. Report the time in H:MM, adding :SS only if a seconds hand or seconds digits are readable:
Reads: 5:09
